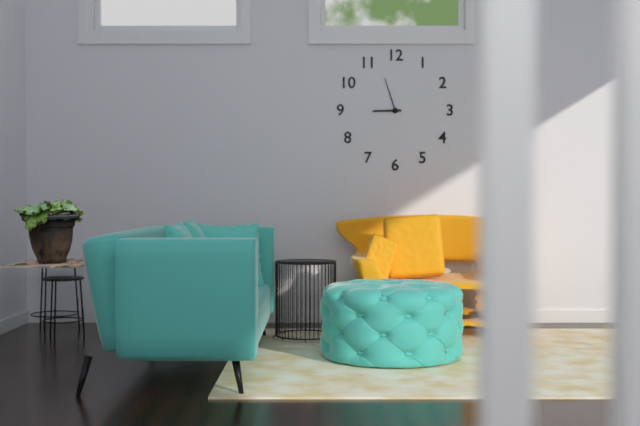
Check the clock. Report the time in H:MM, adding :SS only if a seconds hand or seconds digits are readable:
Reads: 8:57
